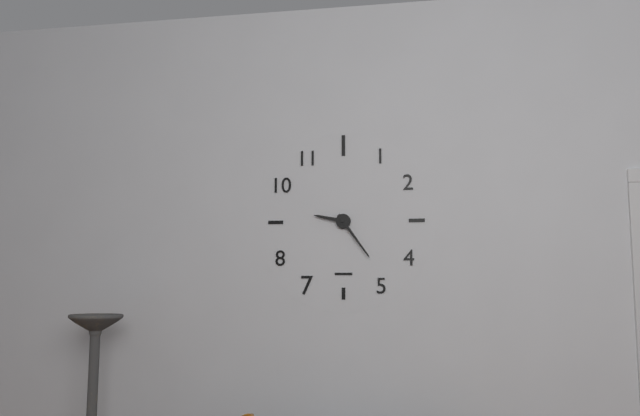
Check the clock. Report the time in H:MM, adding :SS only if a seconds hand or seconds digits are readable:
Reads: 9:24
